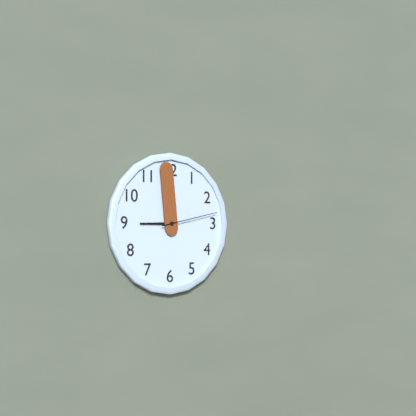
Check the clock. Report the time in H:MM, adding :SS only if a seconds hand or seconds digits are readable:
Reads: 8:59:13
